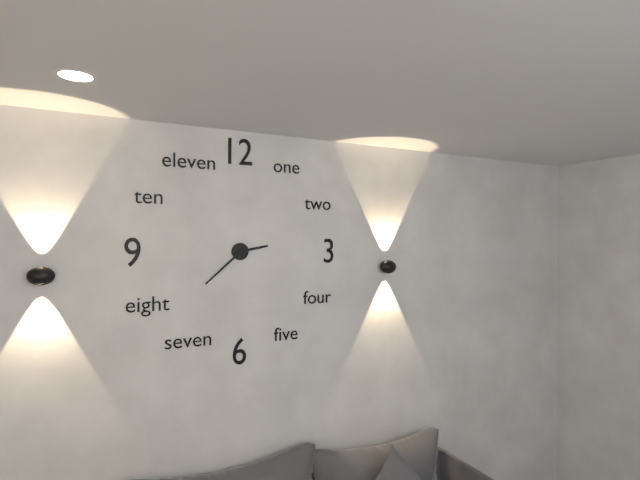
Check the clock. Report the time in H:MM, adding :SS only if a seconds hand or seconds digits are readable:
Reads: 2:38
